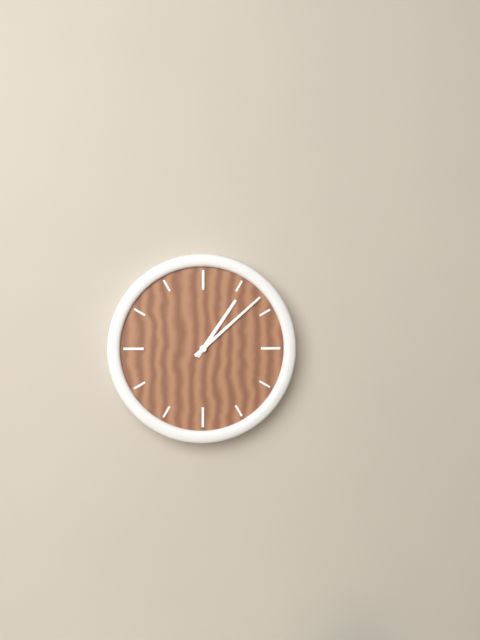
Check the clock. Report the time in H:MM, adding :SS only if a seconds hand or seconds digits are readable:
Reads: 1:08
